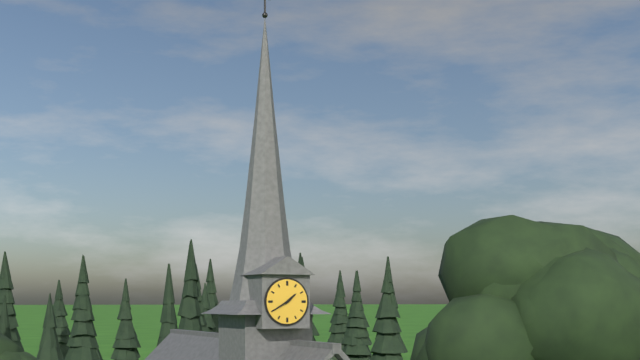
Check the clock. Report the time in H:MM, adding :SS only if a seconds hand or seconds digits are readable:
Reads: 1:40
